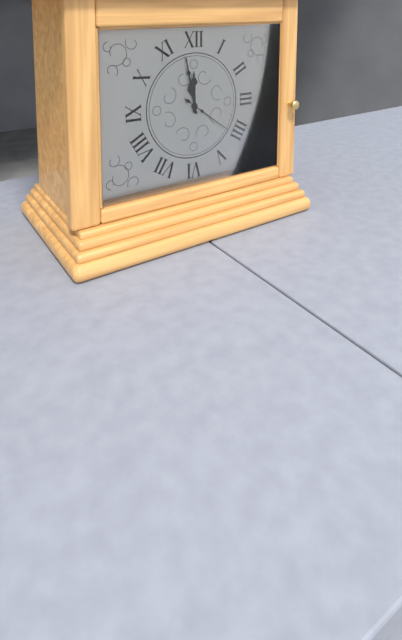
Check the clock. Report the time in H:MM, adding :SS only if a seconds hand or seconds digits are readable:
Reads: 11:58
